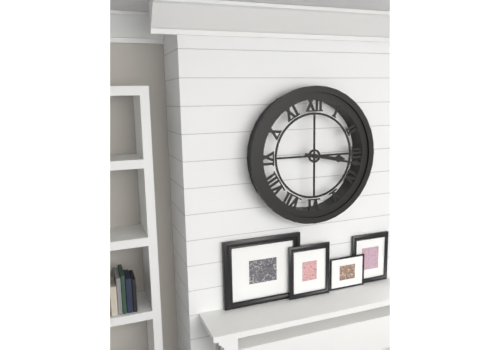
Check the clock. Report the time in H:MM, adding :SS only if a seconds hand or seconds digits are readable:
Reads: 3:17
